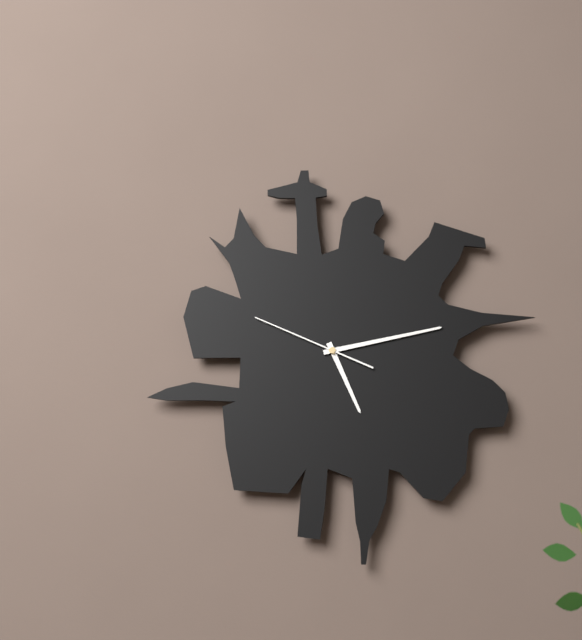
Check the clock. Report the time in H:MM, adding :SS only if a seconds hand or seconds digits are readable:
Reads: 5:13:49
